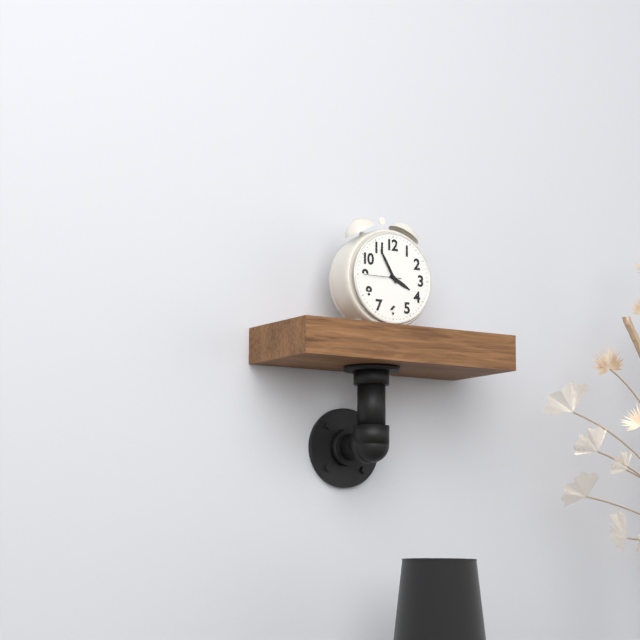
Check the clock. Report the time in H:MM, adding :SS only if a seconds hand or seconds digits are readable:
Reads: 3:55
